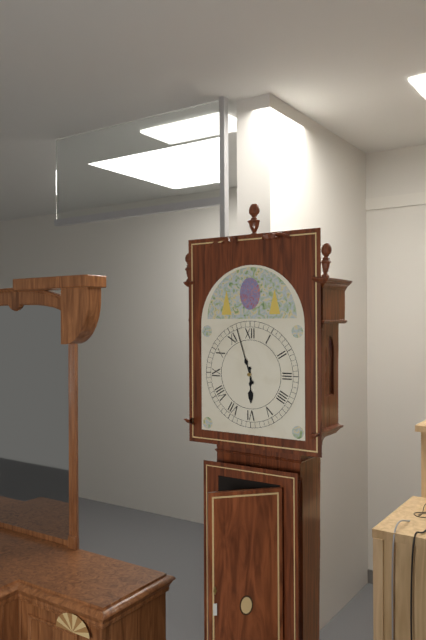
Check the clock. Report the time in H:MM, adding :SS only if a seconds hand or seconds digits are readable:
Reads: 5:57
